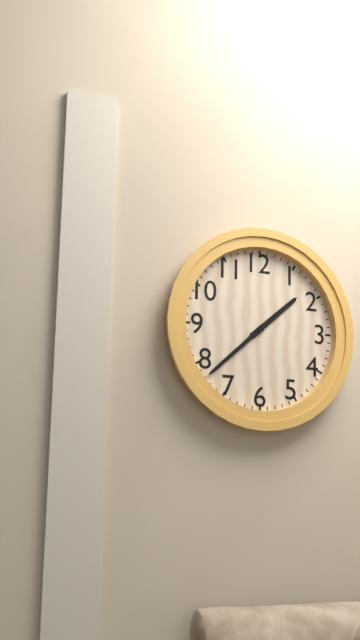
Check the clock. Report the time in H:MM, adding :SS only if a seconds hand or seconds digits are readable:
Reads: 1:38
